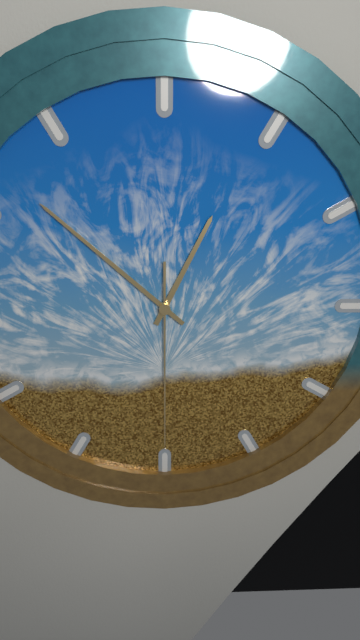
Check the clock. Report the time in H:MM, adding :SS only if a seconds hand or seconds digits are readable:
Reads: 12:52:30
